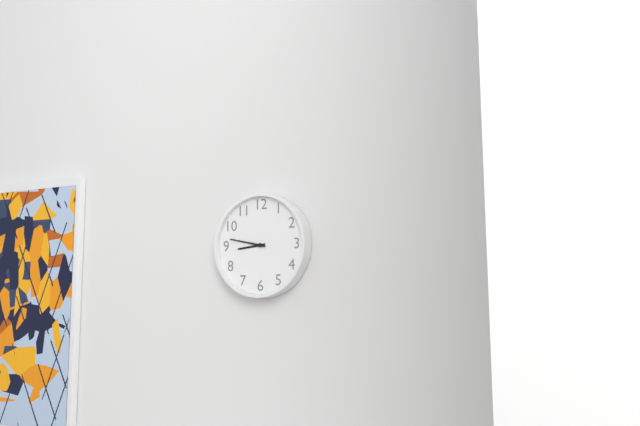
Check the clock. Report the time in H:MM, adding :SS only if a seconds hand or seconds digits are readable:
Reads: 8:47
